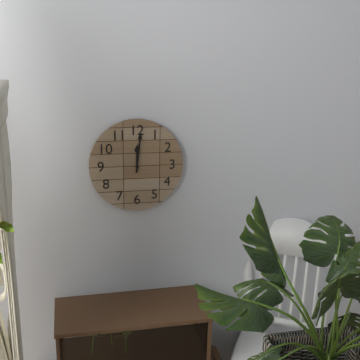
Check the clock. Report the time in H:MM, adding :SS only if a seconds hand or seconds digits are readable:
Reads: 12:01
